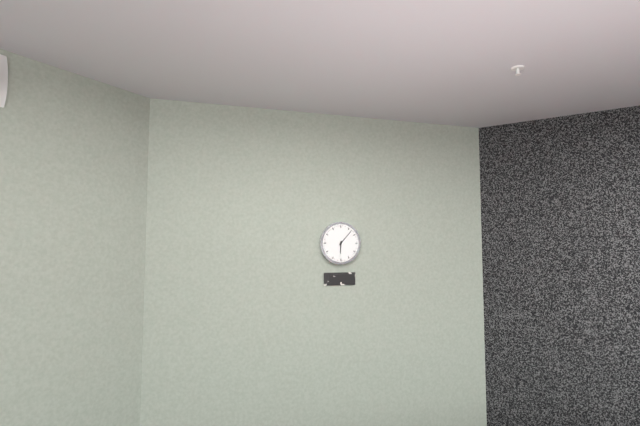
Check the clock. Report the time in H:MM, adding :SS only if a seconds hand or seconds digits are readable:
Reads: 6:07
